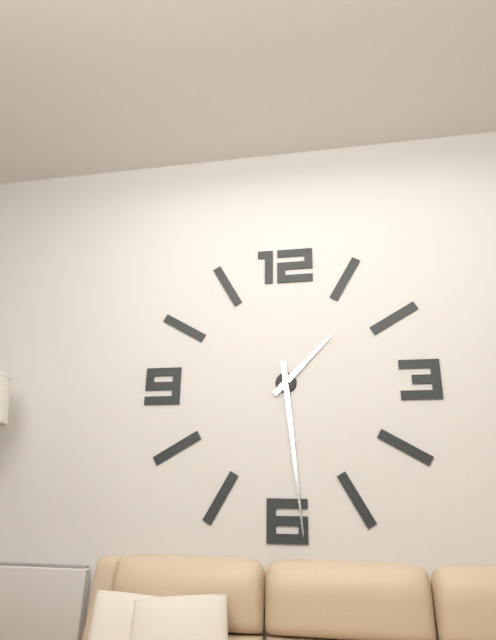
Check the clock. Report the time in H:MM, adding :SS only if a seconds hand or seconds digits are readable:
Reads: 1:29
